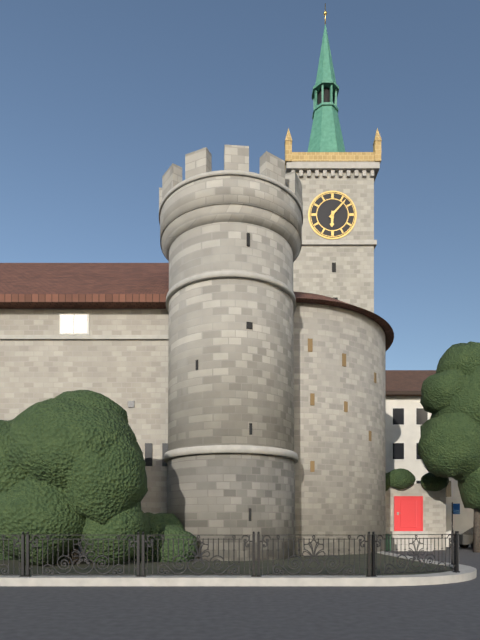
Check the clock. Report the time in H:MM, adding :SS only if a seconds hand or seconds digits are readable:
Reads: 6:07
